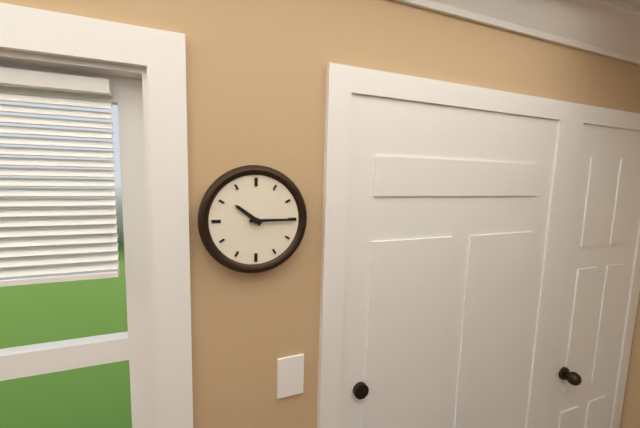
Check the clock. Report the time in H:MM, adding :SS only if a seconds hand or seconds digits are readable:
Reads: 10:15
